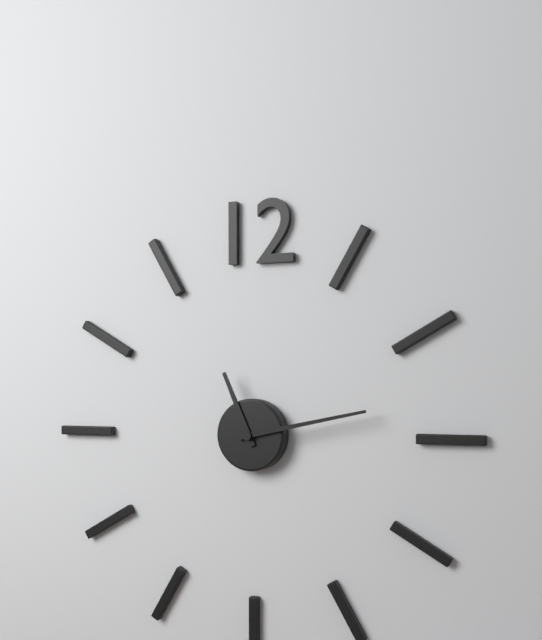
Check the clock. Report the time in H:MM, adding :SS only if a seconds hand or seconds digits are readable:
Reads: 11:13
